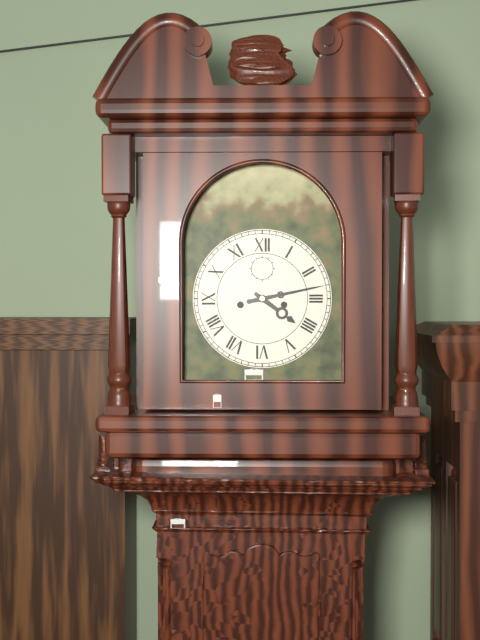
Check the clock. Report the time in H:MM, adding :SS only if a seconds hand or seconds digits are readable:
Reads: 4:13
